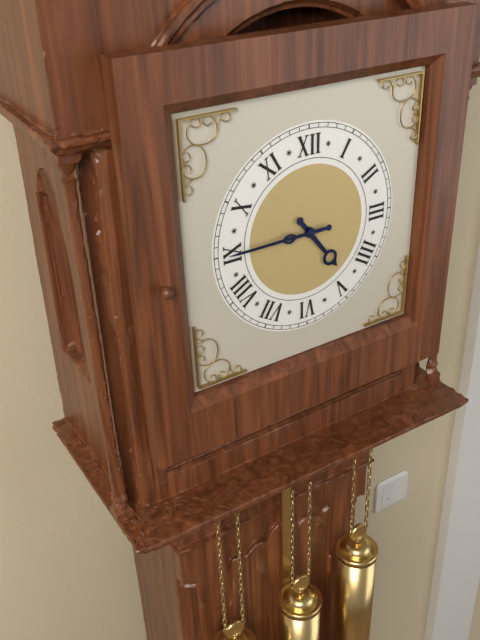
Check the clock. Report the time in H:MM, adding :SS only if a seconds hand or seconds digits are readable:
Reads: 4:45
